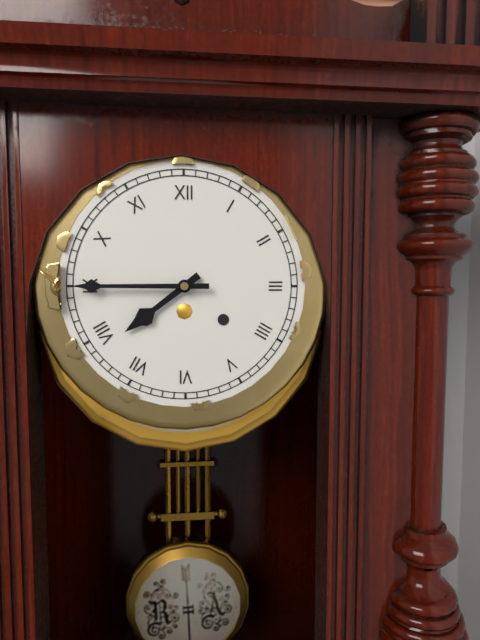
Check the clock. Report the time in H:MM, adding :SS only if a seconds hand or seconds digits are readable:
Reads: 7:45
